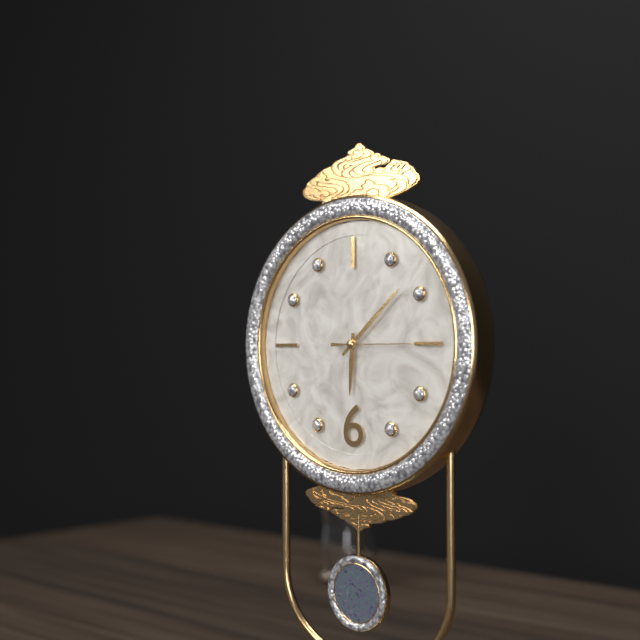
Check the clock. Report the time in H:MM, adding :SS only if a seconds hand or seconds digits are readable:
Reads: 6:08:15
